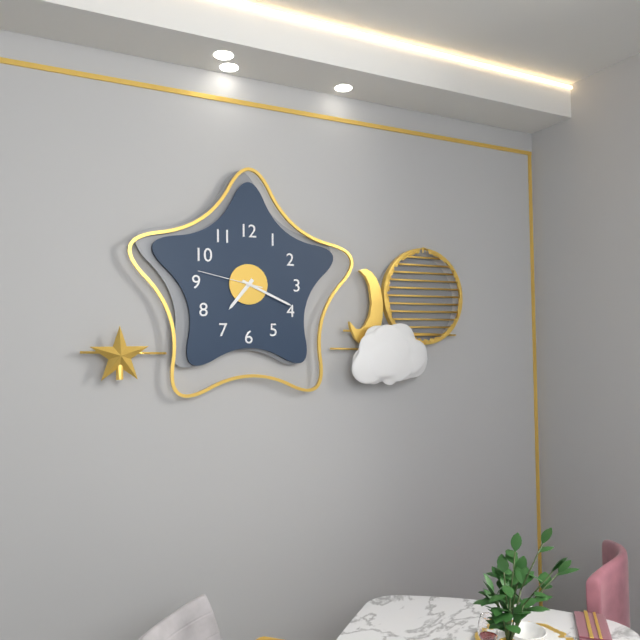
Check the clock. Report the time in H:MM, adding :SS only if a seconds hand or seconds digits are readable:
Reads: 7:19:47
